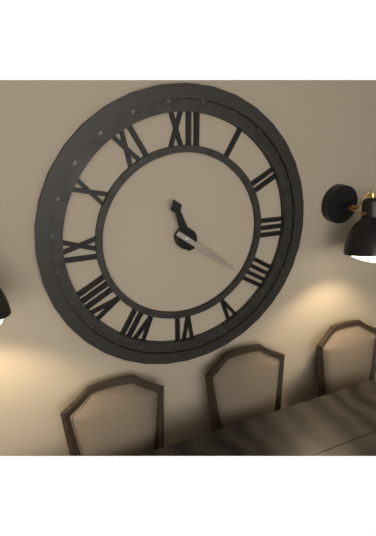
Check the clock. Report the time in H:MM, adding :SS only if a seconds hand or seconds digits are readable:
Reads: 11:21
